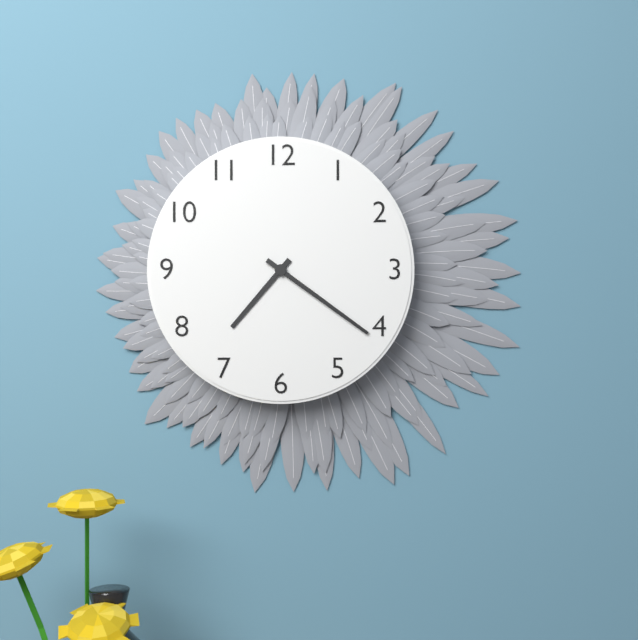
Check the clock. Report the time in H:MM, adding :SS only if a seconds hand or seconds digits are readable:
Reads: 7:21
